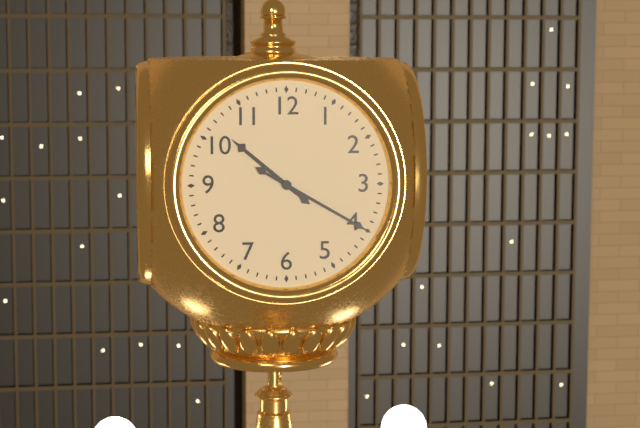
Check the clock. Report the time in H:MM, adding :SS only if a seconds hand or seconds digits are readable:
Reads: 10:20
